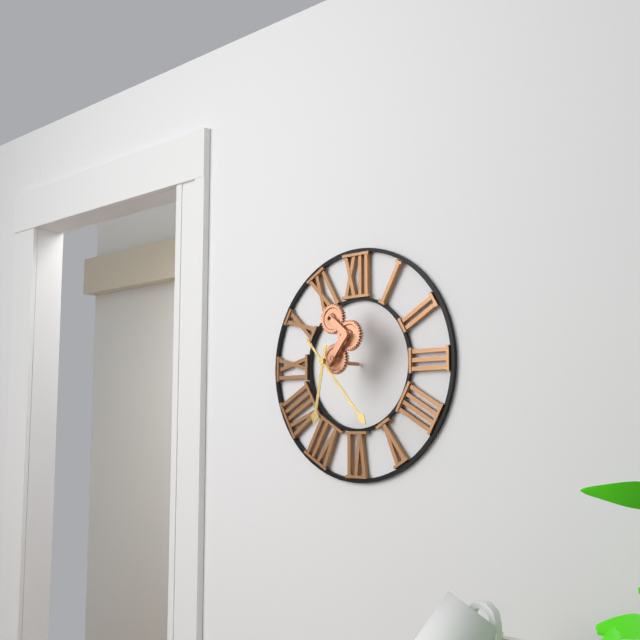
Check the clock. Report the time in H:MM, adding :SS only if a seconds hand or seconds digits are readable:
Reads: 6:23
